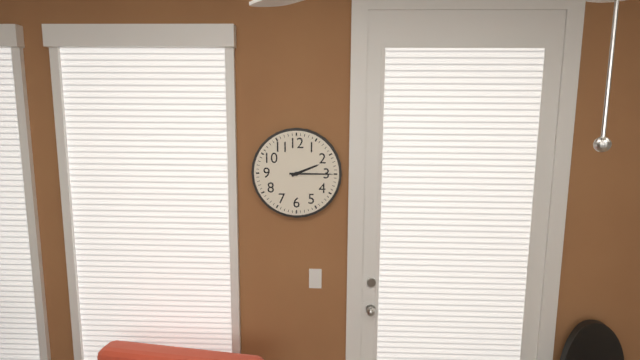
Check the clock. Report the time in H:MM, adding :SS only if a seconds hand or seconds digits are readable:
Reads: 2:15
